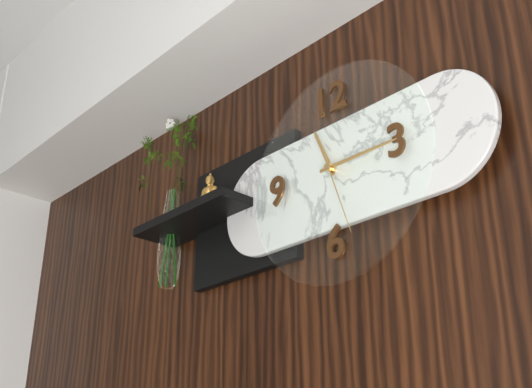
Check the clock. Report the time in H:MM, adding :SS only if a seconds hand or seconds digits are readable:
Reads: 11:15:27
